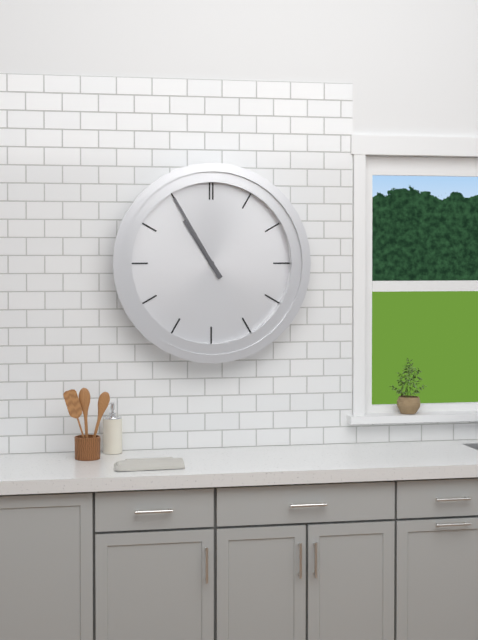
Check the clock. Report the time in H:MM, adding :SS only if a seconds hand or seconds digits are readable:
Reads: 10:55
